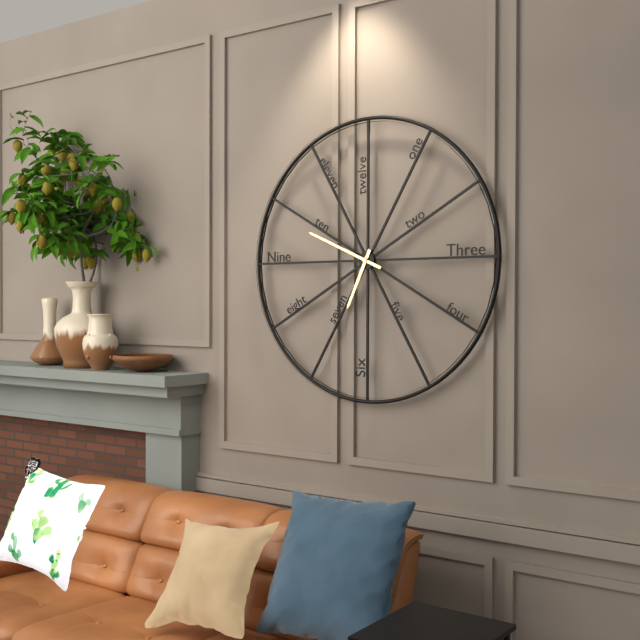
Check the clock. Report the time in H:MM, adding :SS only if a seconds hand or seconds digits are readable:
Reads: 6:49
